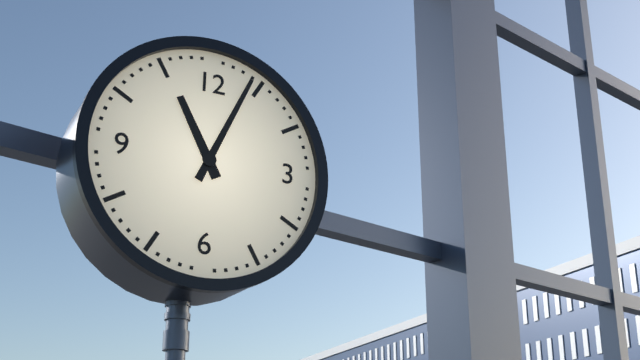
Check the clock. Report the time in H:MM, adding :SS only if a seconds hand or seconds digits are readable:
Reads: 11:04
